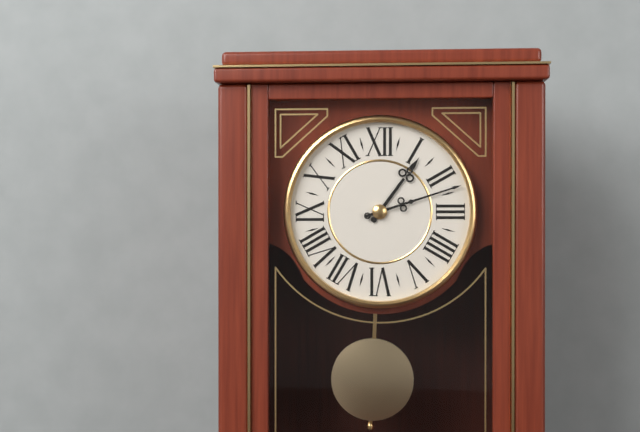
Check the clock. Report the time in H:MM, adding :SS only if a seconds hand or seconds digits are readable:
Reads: 1:12
